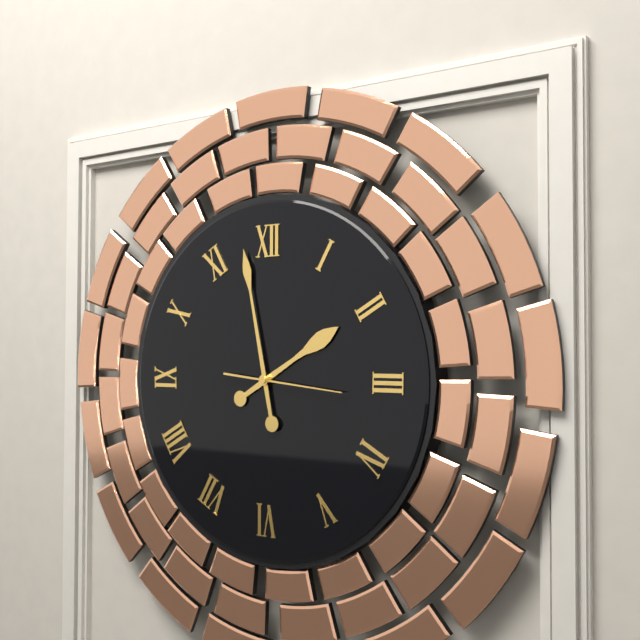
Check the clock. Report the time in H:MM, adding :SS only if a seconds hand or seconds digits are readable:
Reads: 1:58:16
